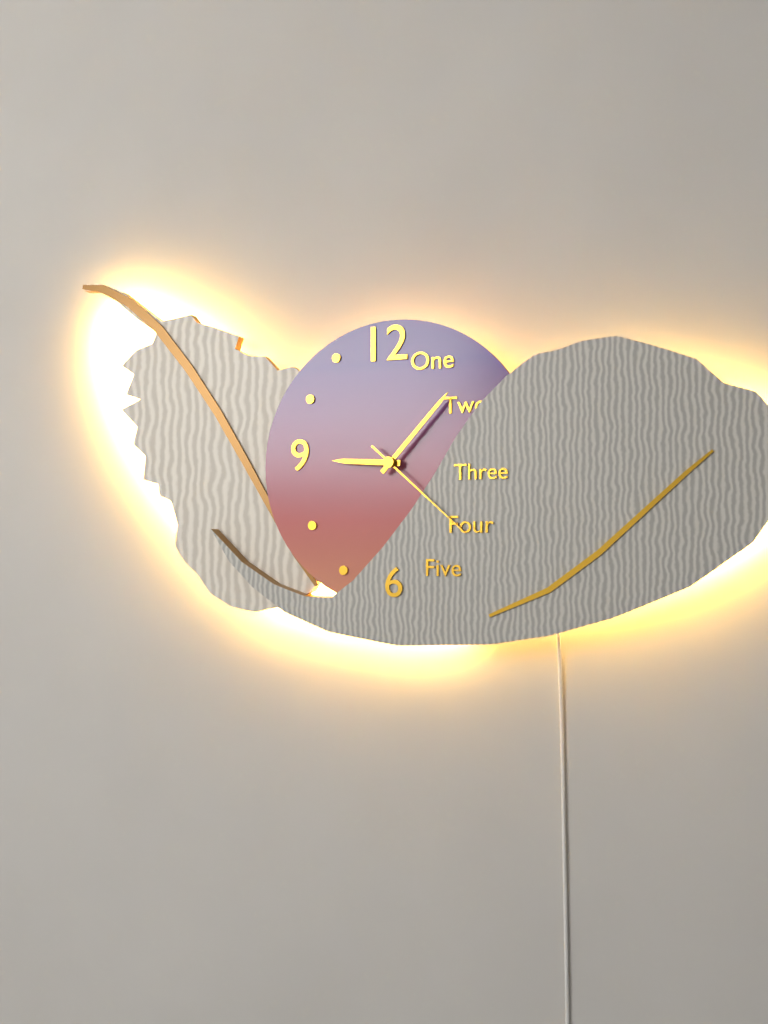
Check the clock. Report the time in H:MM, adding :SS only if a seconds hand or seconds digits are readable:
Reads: 9:07:22
